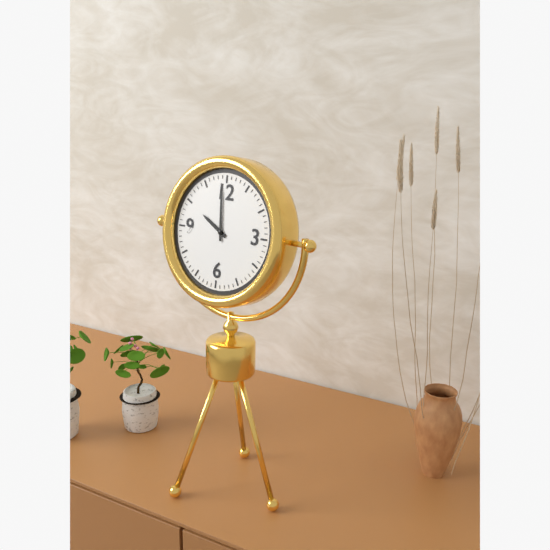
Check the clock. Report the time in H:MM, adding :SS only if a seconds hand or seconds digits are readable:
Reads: 9:59
